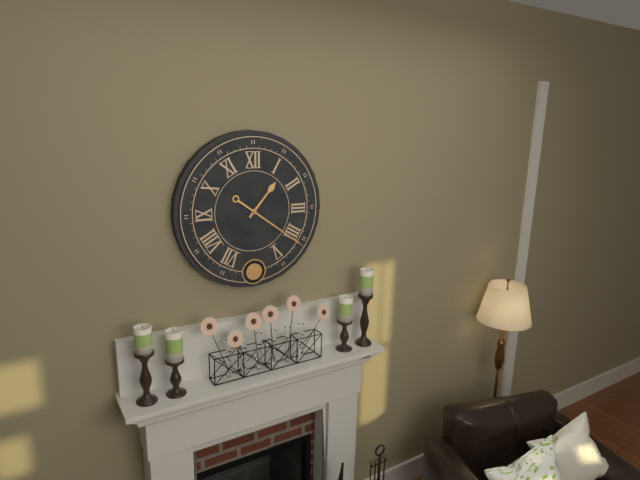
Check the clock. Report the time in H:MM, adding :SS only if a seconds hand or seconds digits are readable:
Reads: 1:21
